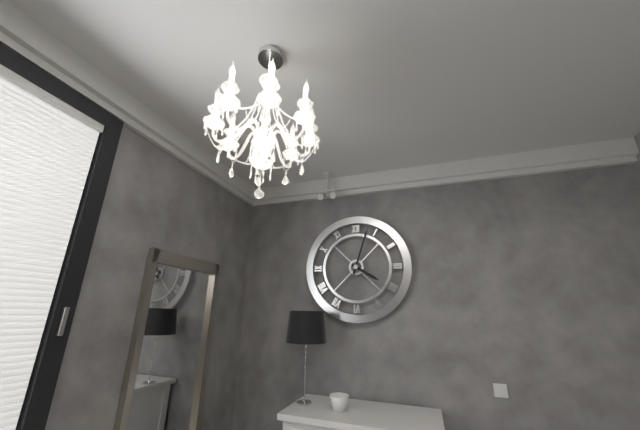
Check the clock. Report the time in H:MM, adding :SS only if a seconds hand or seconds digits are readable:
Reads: 4:03
